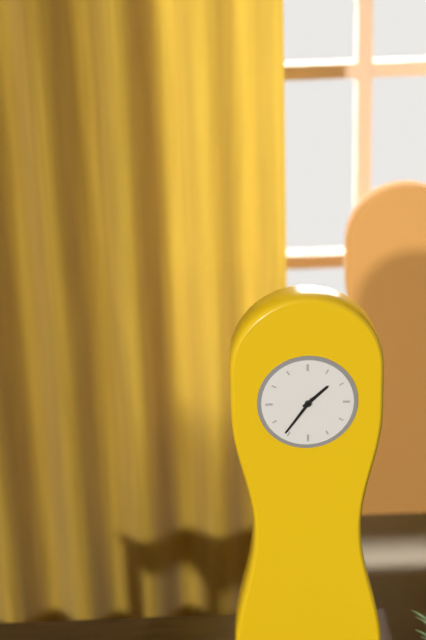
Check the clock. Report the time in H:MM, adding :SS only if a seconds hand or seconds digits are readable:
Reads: 1:36
